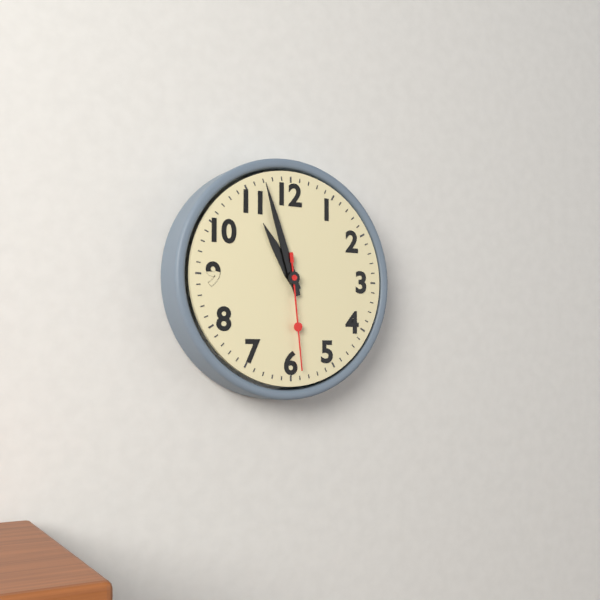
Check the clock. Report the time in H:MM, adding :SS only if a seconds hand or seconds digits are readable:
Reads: 10:57:29
